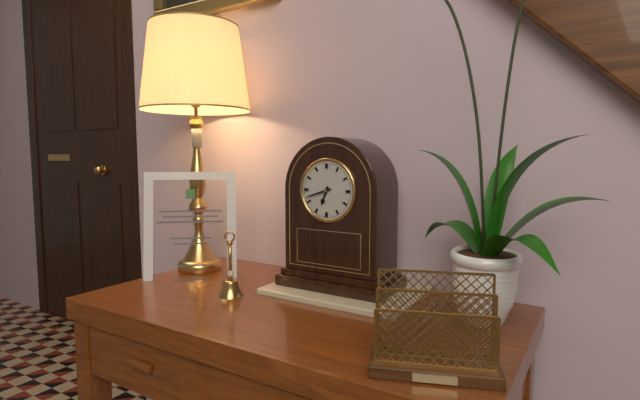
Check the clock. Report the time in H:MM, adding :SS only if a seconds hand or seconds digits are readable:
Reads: 6:42
